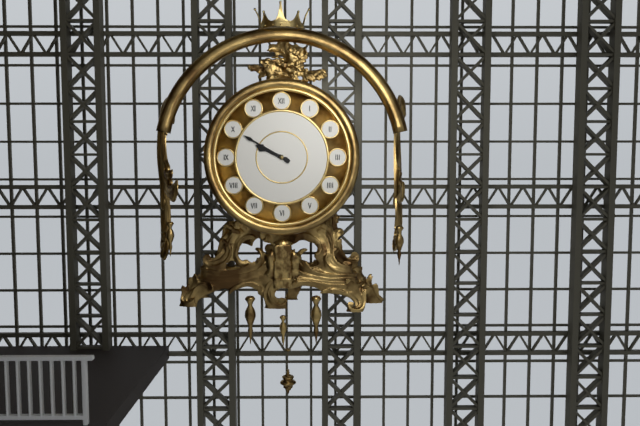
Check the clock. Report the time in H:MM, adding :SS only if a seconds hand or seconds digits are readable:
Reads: 9:50
